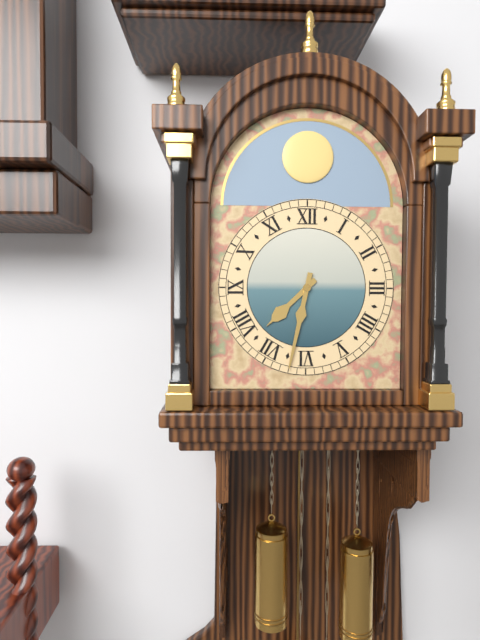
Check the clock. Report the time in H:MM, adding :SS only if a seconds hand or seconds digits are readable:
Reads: 7:32
